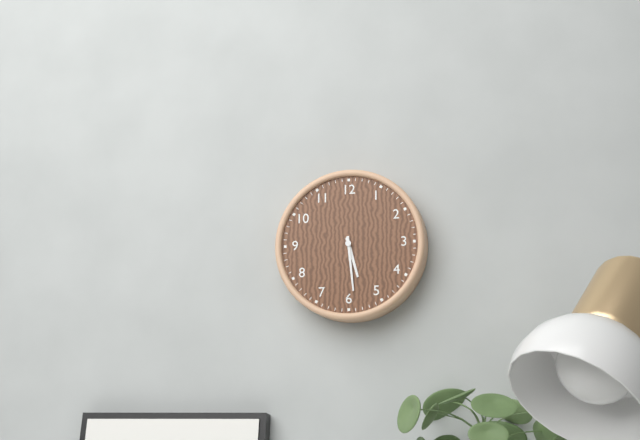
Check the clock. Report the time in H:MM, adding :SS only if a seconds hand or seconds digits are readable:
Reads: 5:29
